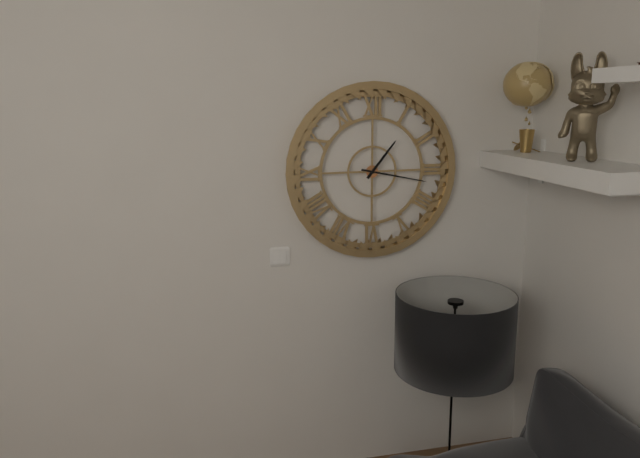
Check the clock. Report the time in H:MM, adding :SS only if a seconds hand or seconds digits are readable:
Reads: 1:17
